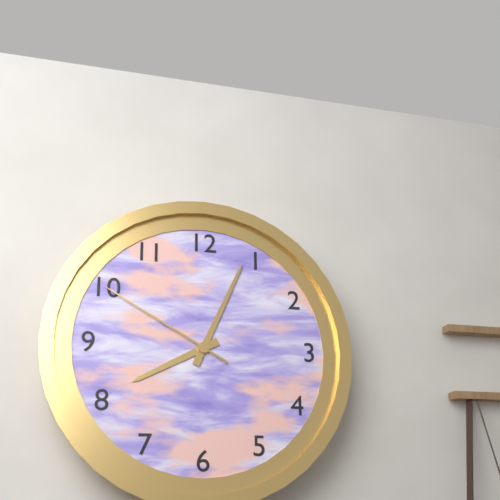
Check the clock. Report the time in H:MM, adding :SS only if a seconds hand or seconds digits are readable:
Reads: 8:04:50
